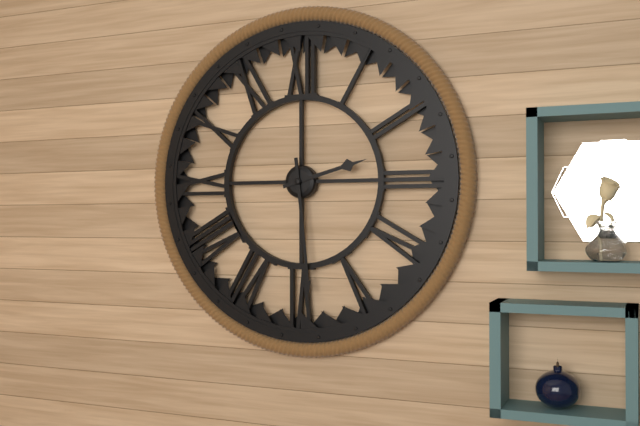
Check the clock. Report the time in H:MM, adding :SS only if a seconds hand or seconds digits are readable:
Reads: 2:29
